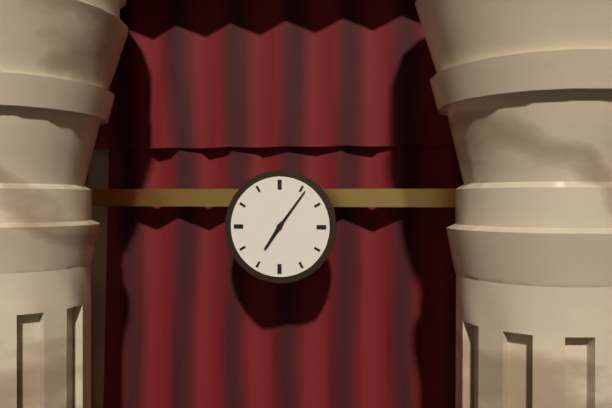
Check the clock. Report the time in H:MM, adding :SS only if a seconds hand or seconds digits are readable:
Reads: 7:06
